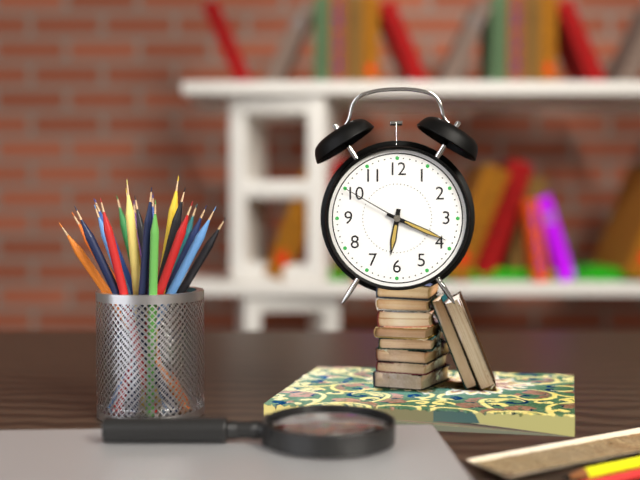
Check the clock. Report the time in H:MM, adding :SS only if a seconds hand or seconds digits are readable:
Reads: 6:19:50
